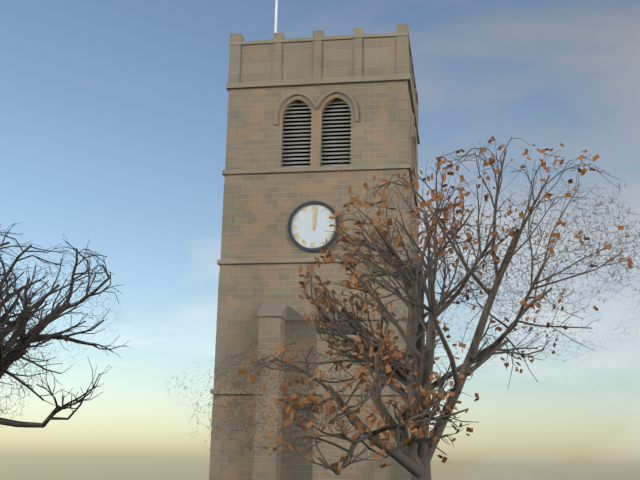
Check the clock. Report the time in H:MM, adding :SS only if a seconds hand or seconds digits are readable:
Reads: 12:01
